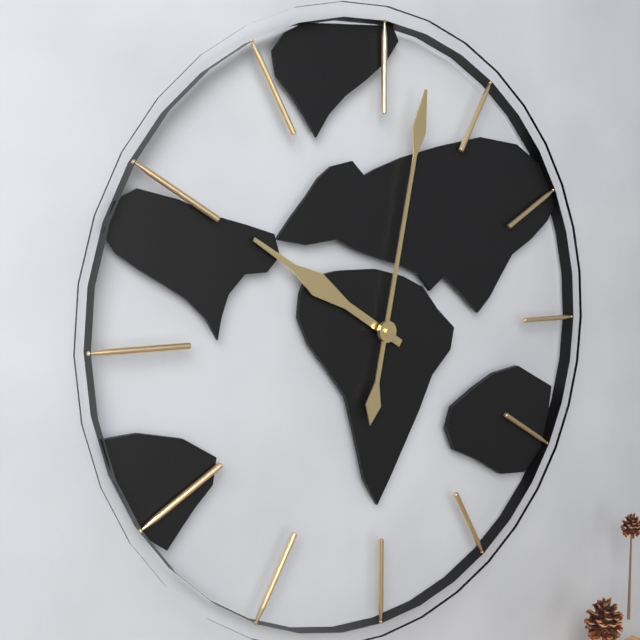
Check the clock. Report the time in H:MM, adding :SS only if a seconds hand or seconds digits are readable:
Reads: 10:02
